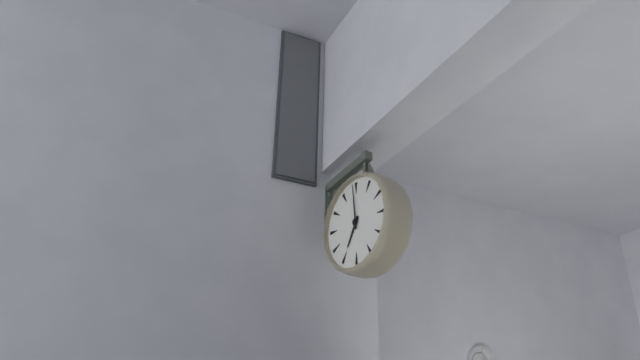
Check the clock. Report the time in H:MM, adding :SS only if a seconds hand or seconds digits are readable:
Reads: 6:59
